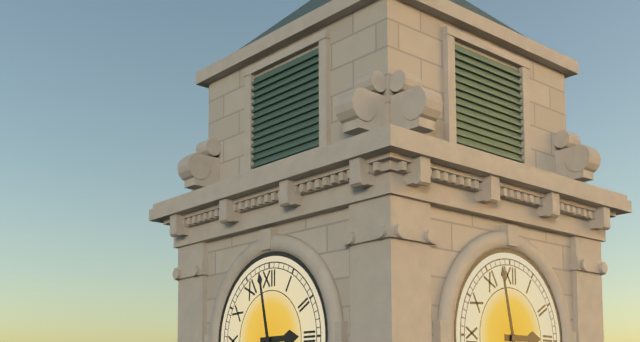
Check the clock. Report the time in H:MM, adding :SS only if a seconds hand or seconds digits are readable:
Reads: 2:58
